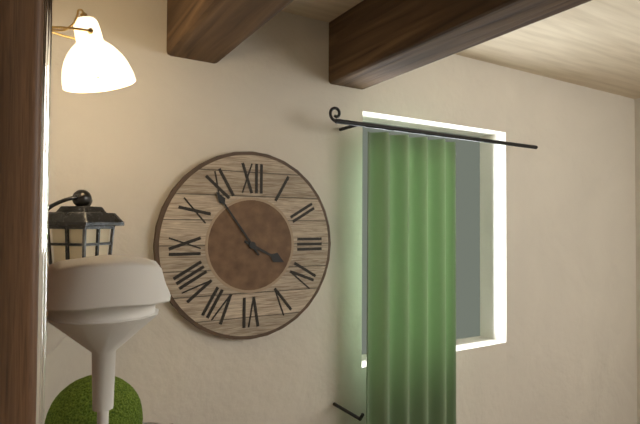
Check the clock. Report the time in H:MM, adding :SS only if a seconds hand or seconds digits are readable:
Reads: 3:54
